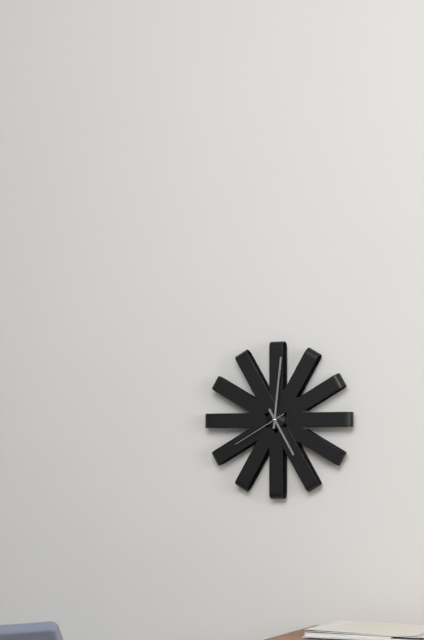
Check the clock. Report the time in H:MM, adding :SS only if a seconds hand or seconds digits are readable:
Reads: 5:01:40
